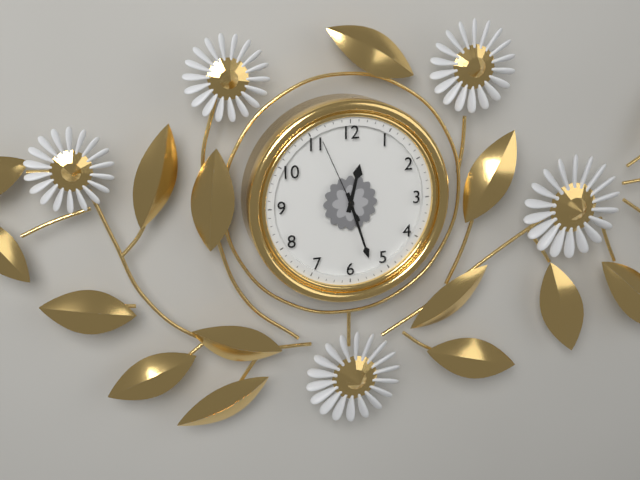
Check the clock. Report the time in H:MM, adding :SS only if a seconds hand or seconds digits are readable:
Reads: 12:27:56
